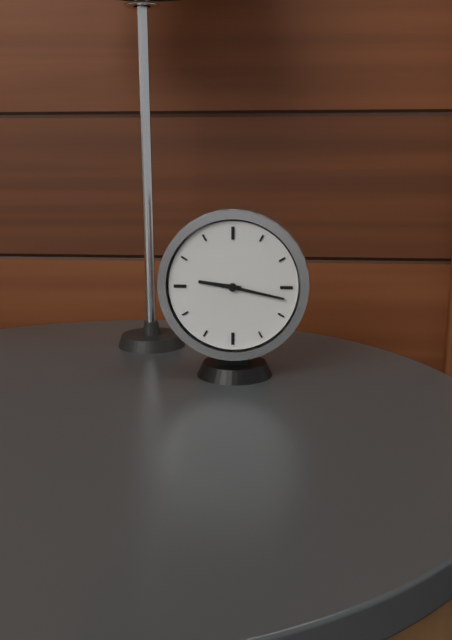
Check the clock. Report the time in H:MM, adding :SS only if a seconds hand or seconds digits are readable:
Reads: 9:17
